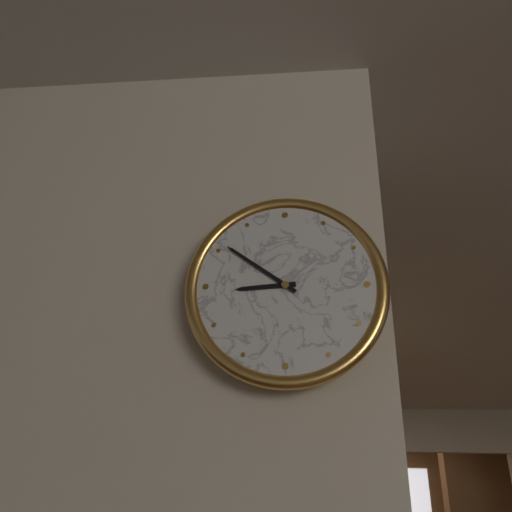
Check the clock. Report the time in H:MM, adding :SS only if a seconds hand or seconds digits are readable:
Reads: 8:51
